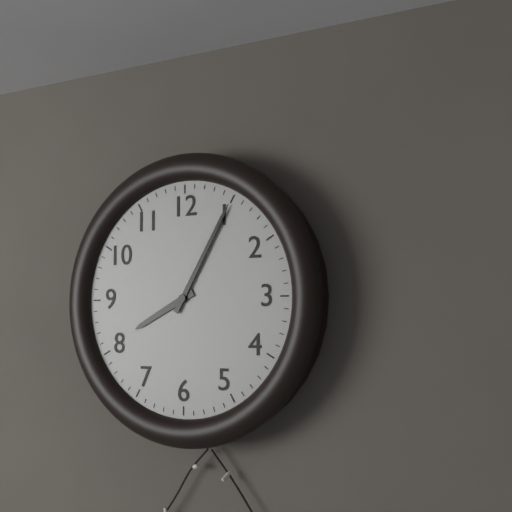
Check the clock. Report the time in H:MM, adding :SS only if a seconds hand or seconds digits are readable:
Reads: 8:05
